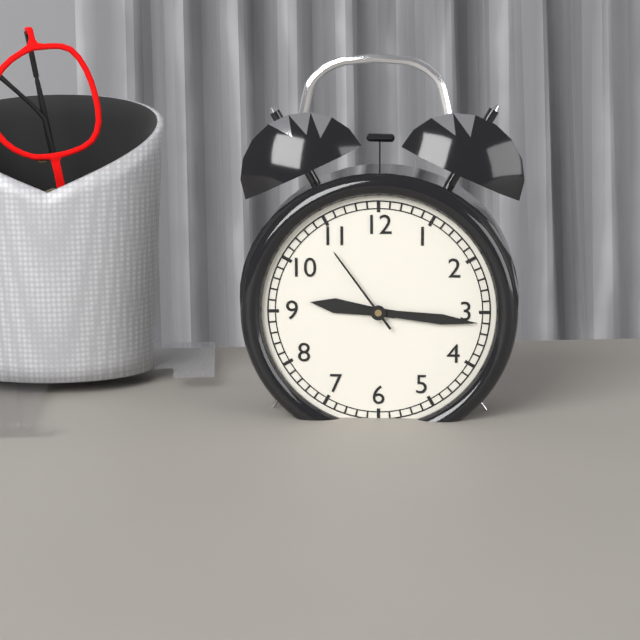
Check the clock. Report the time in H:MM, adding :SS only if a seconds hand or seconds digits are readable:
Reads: 9:16:54
